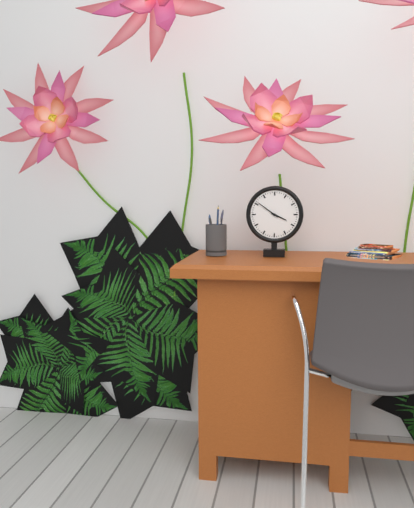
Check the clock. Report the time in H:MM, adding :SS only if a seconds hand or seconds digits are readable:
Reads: 3:51
